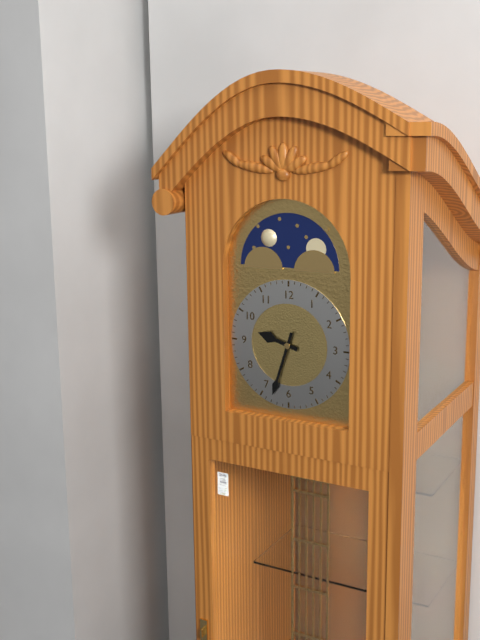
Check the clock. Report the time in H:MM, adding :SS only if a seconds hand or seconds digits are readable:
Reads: 9:33
